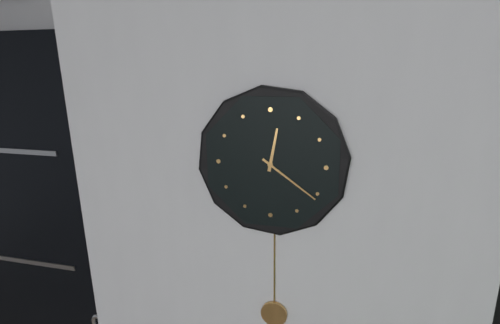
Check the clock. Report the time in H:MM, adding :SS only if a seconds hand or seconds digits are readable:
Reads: 12:21
